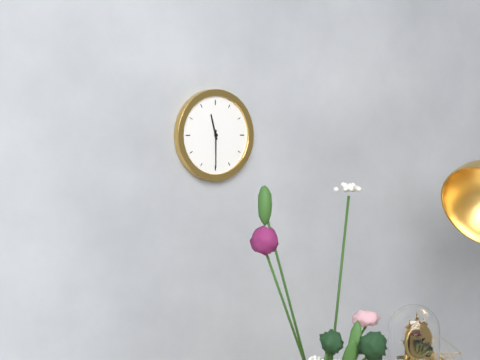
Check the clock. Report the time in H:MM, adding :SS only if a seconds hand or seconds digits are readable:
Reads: 11:30
